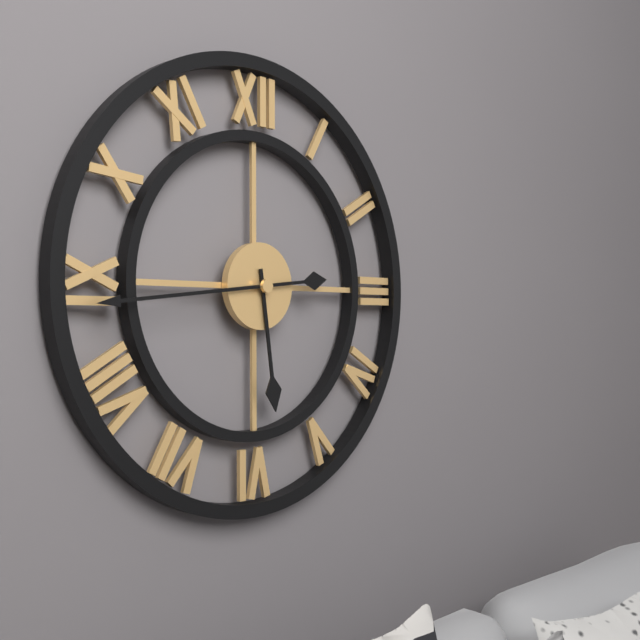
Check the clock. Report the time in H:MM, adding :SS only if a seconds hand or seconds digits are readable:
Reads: 5:44
